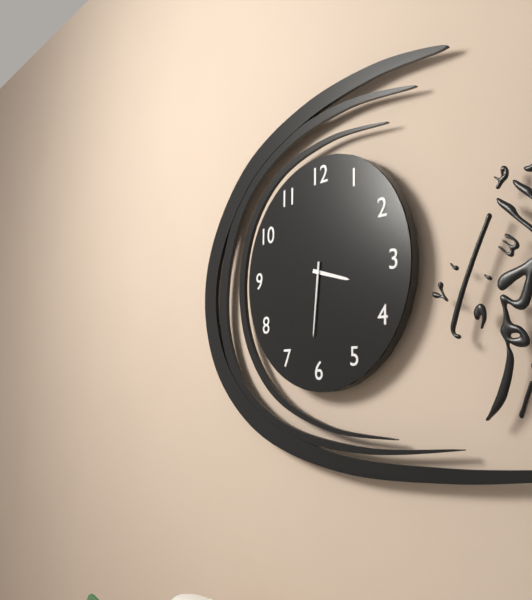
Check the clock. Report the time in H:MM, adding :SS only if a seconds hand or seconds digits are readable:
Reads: 3:31
